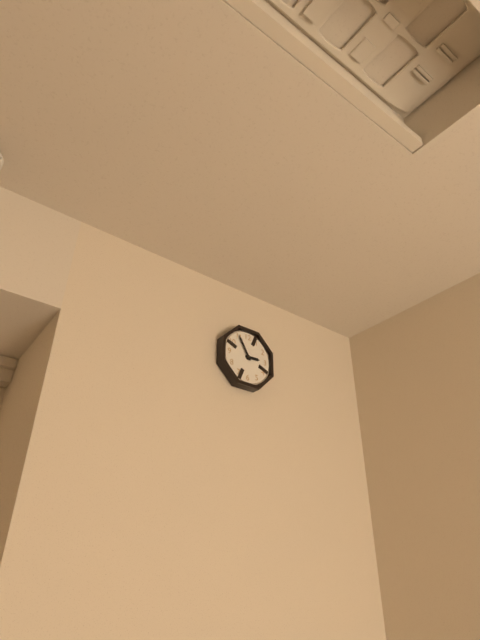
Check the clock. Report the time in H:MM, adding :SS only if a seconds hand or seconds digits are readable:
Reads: 2:55
